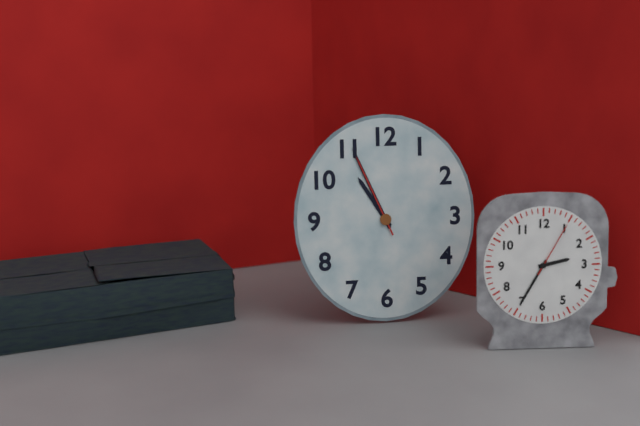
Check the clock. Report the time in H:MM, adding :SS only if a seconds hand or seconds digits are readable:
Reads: 10:56:56
